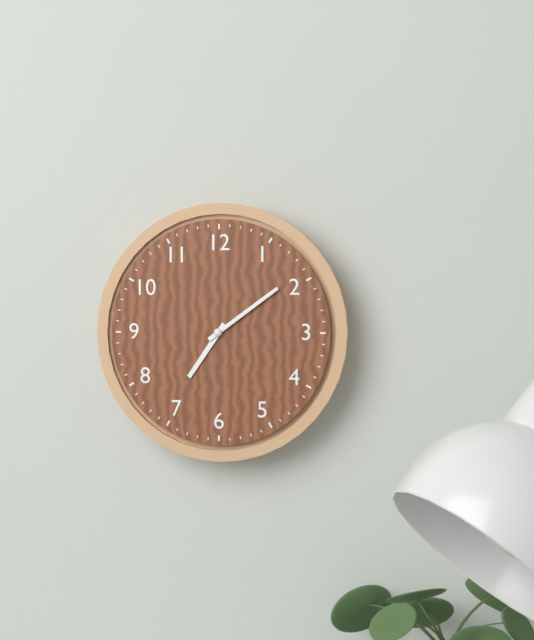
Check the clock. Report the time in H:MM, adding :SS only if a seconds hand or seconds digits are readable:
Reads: 7:09
